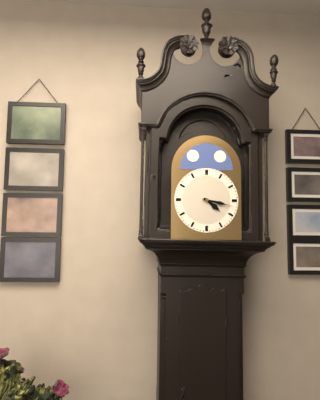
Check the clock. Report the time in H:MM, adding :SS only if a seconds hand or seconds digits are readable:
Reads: 4:17
